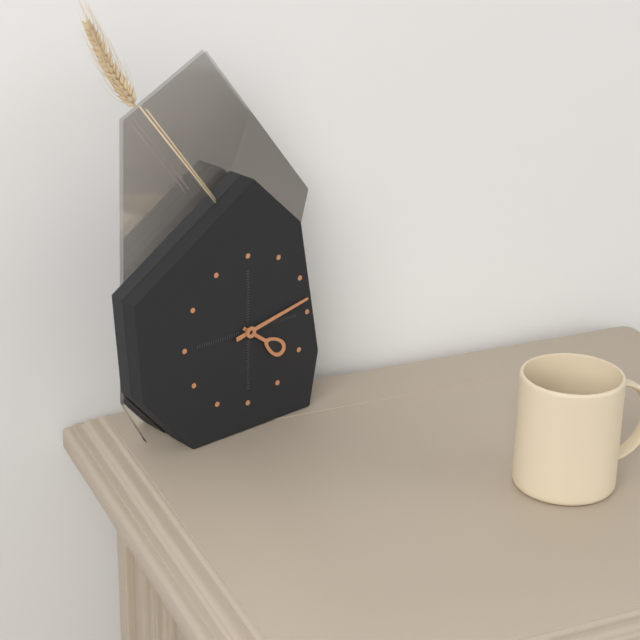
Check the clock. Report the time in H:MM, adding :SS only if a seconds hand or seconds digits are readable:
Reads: 4:13
